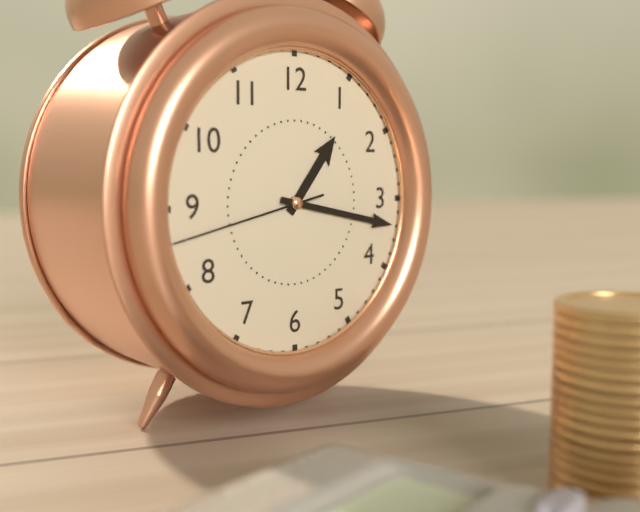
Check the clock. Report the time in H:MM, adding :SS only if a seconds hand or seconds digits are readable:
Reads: 1:17:43
